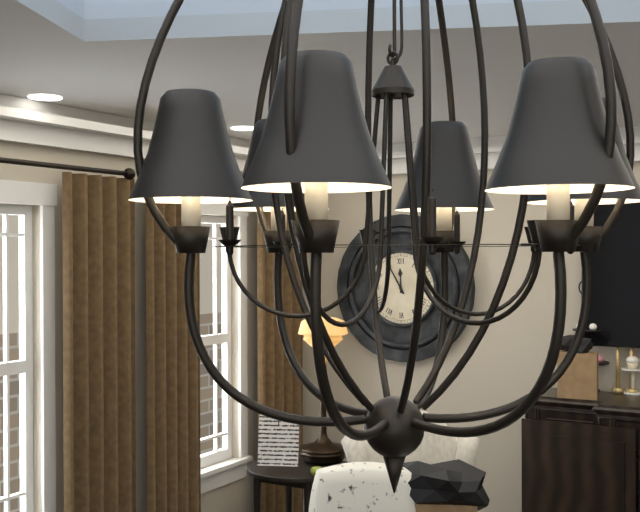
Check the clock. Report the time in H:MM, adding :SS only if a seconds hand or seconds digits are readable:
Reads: 11:55
